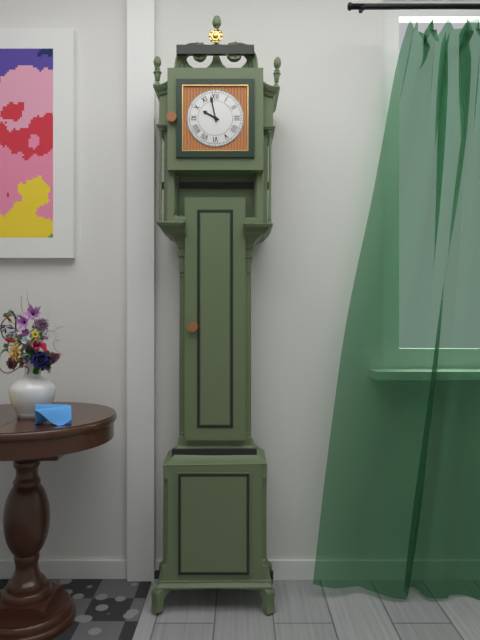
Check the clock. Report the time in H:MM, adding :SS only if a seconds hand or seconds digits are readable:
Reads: 9:58
